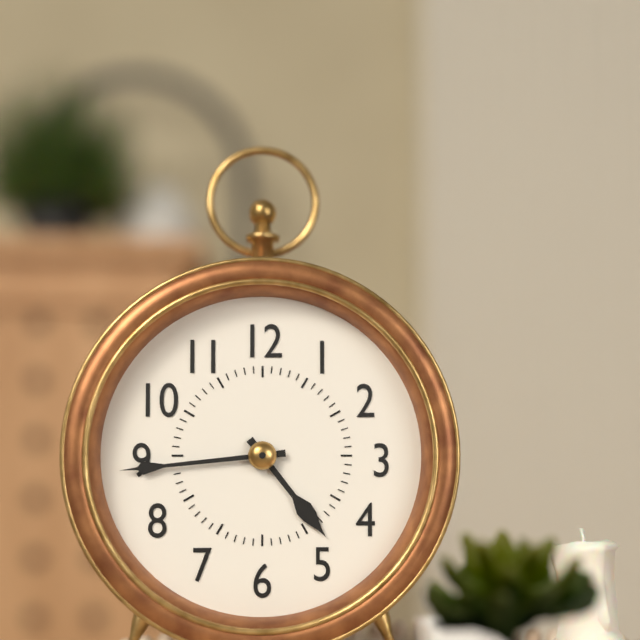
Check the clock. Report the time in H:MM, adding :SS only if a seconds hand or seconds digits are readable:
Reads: 4:44
